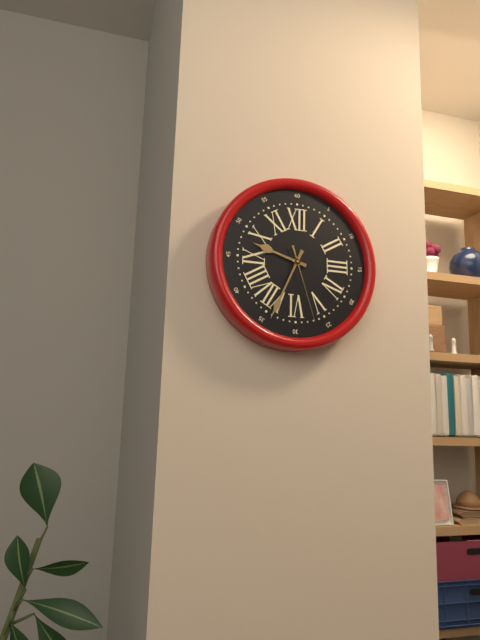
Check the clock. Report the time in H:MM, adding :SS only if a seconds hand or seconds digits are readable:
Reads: 9:34:27
